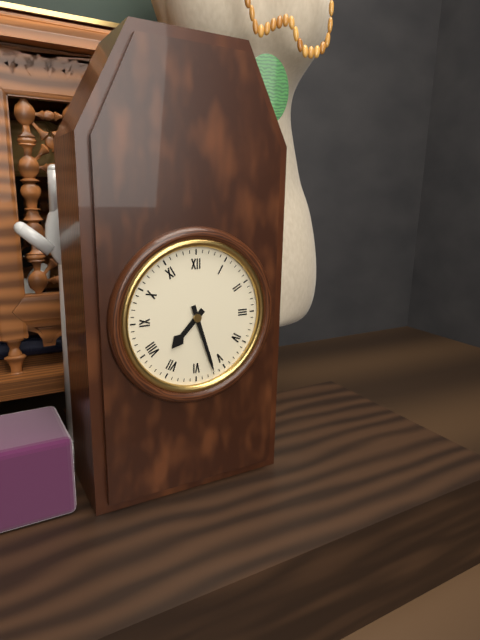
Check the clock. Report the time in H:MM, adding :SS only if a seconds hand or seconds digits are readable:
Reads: 7:27
